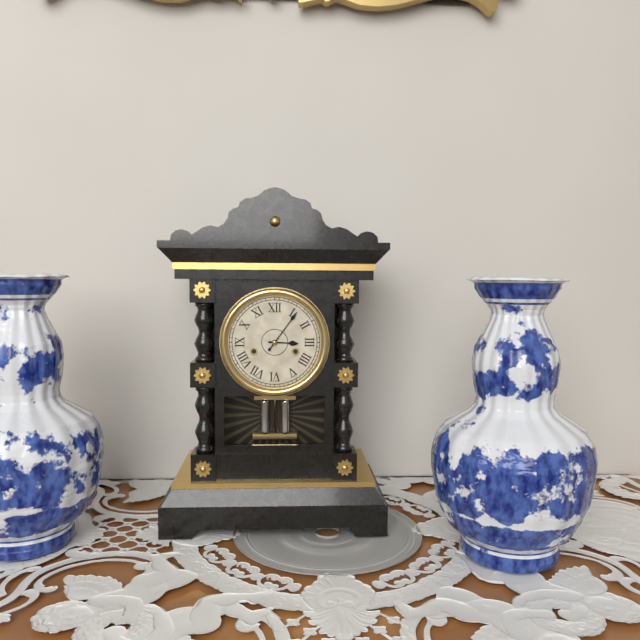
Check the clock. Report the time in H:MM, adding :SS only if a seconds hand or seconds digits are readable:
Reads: 3:06
